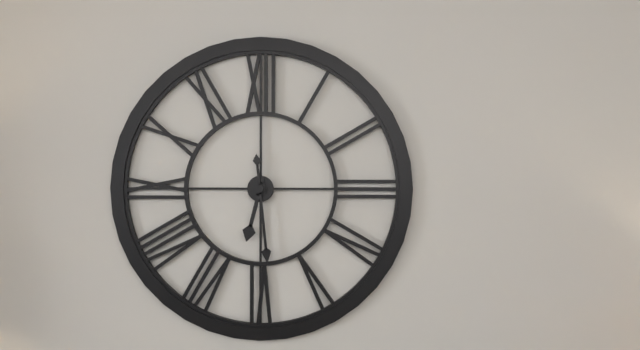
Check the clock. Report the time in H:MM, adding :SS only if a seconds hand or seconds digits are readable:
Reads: 6:29
